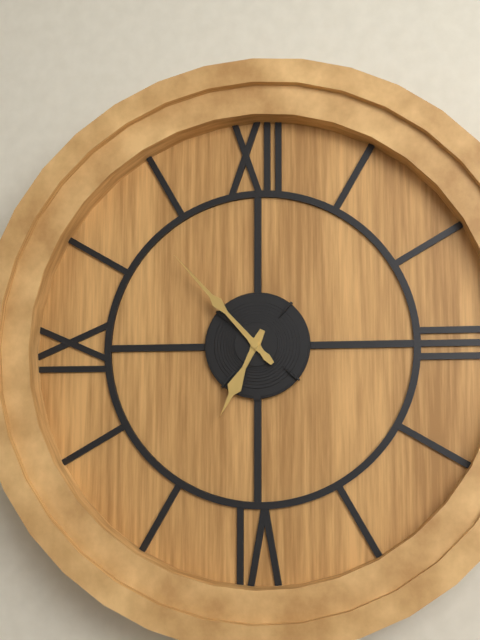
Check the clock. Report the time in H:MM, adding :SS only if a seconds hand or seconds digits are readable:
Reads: 6:53
